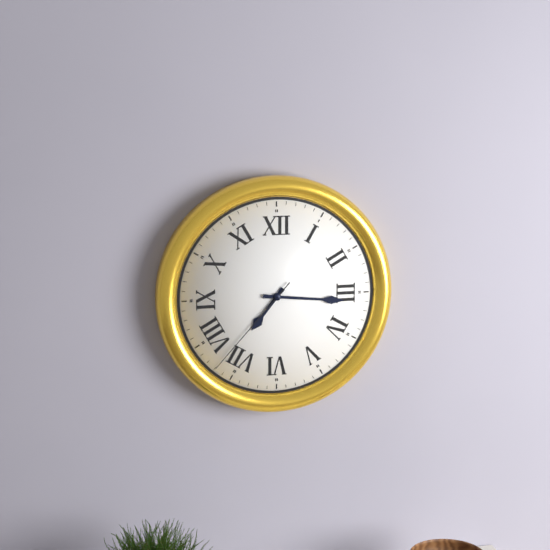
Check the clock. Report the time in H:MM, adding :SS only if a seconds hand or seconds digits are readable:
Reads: 7:16:37
